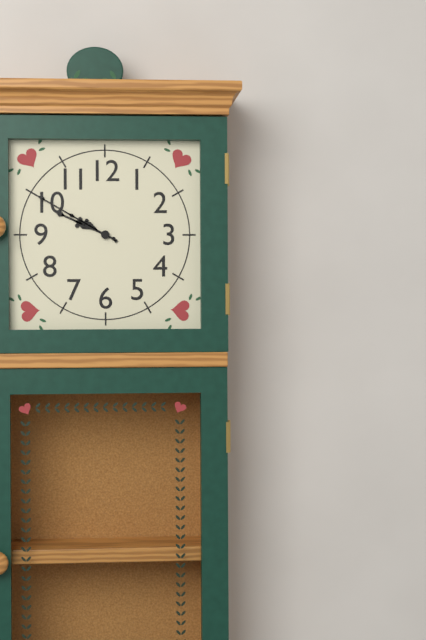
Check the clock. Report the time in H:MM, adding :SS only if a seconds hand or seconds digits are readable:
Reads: 9:50
